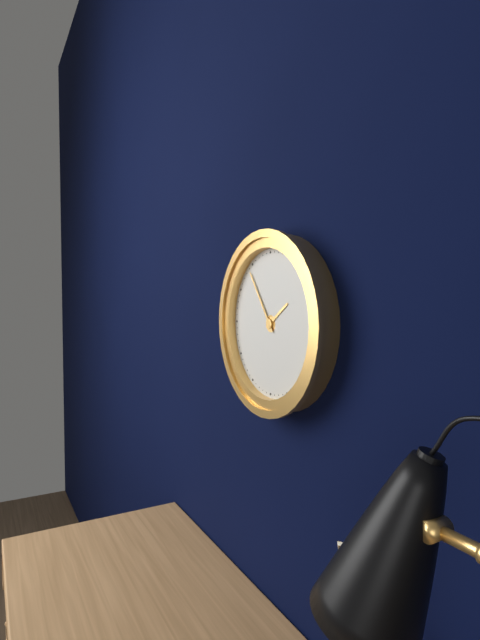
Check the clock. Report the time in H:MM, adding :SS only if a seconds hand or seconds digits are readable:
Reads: 1:54
